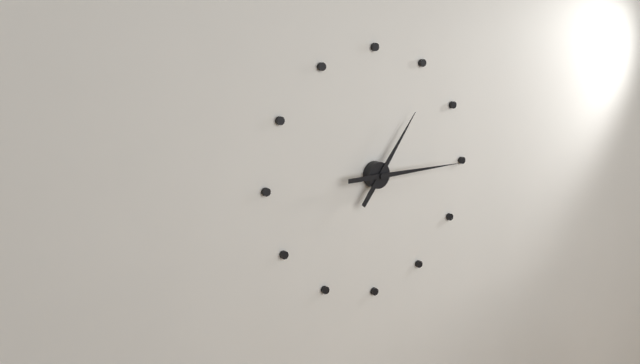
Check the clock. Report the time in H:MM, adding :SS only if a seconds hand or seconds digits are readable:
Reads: 1:15
